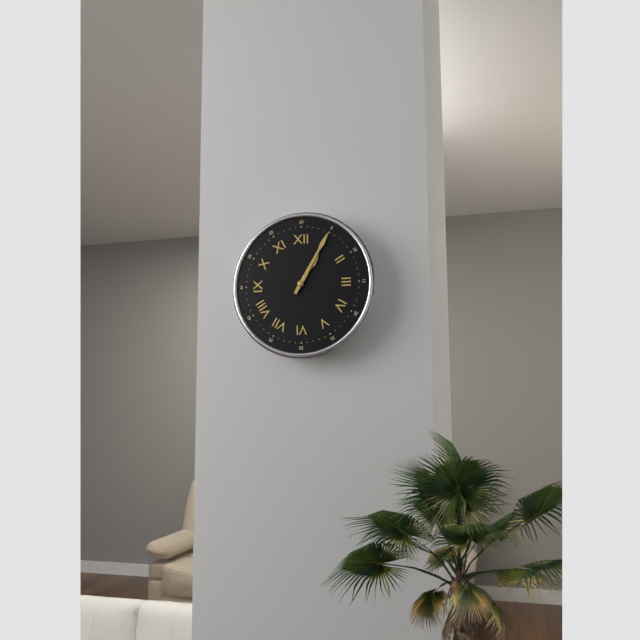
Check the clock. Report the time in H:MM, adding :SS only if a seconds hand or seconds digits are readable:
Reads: 1:05
